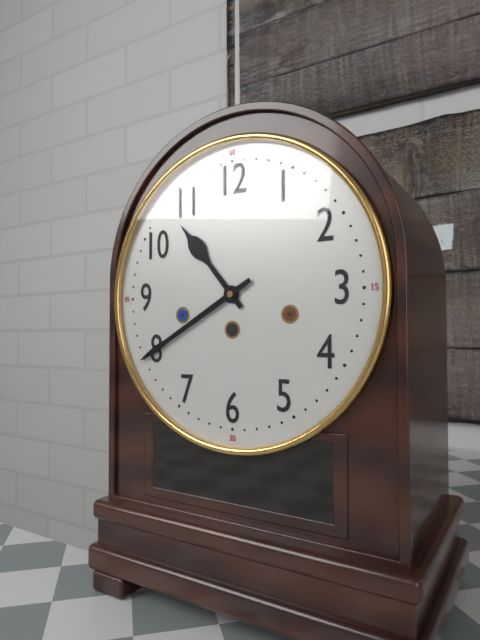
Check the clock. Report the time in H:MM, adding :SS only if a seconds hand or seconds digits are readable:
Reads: 10:40
